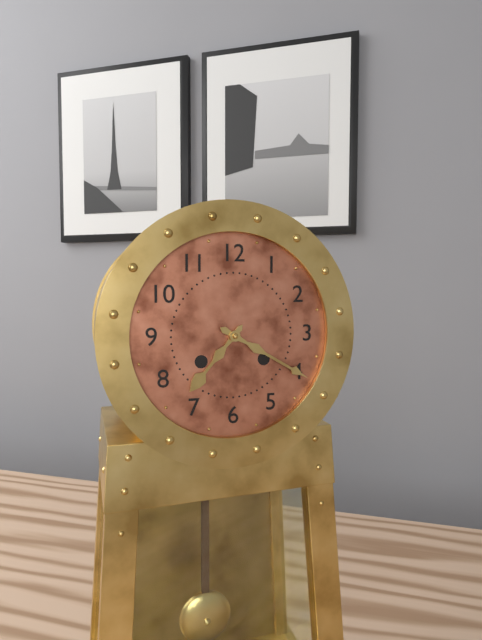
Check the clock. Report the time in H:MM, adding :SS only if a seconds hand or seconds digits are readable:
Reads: 7:20
